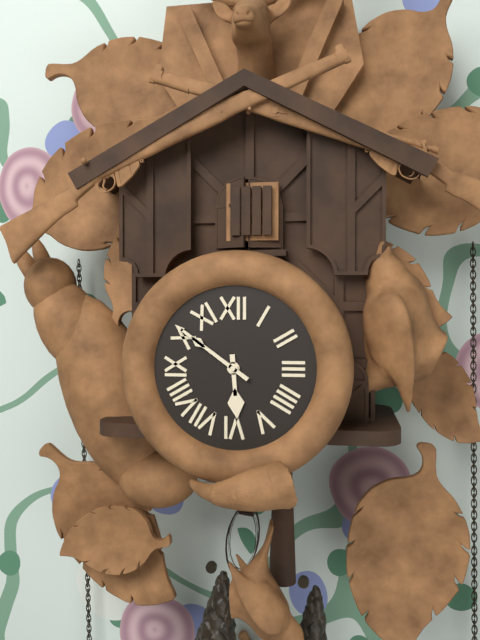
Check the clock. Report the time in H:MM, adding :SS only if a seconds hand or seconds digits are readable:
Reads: 5:51
